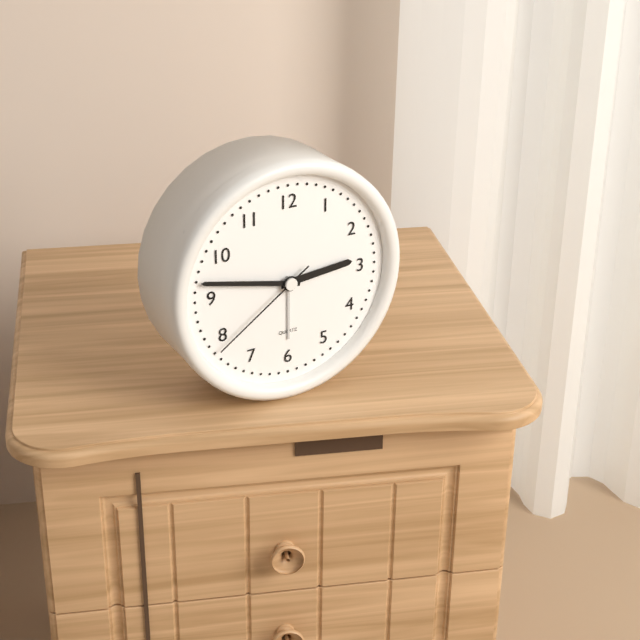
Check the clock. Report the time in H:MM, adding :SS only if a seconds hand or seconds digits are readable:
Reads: 2:47:39
